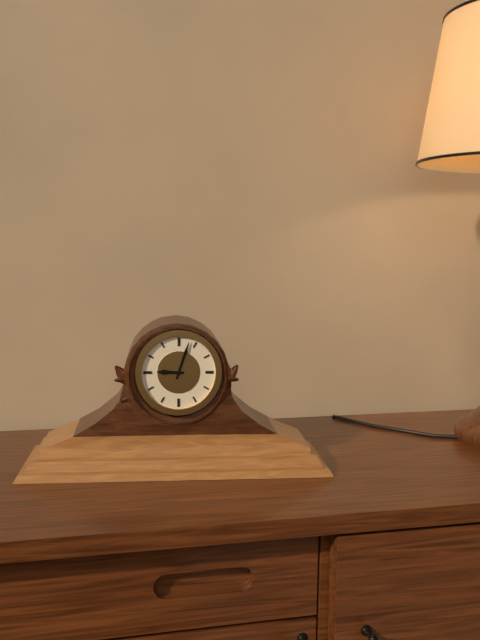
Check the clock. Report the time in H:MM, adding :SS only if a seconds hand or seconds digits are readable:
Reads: 9:03
